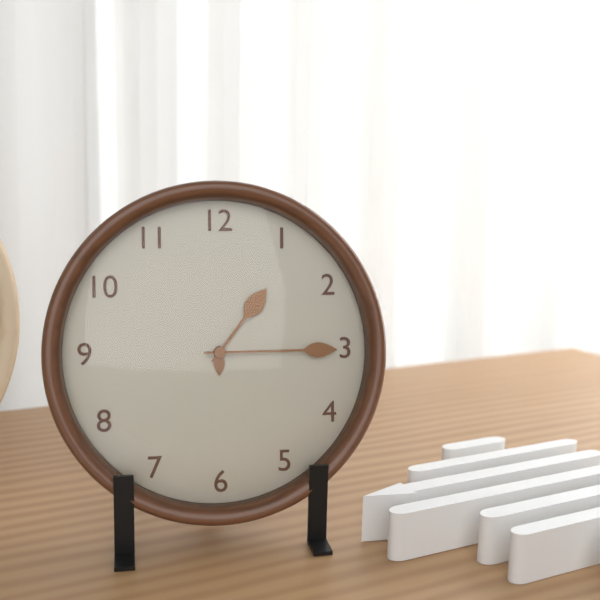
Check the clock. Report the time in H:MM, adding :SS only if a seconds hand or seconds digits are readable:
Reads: 1:15
